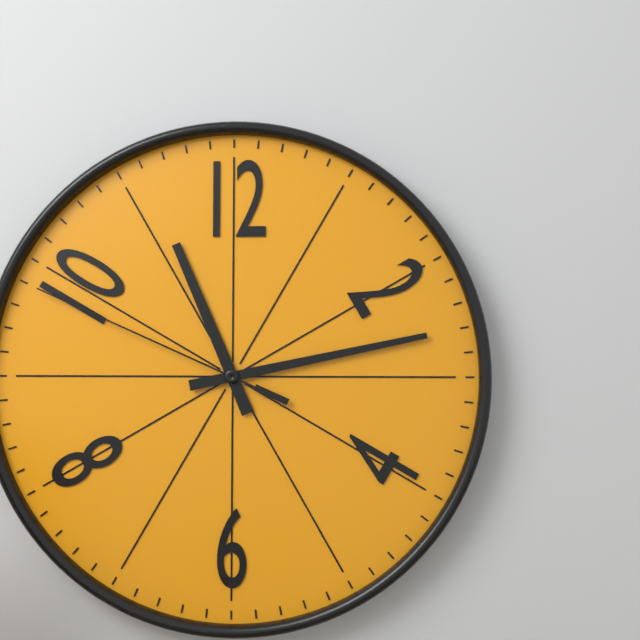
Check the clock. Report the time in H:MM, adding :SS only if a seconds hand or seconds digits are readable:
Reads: 11:13:49
